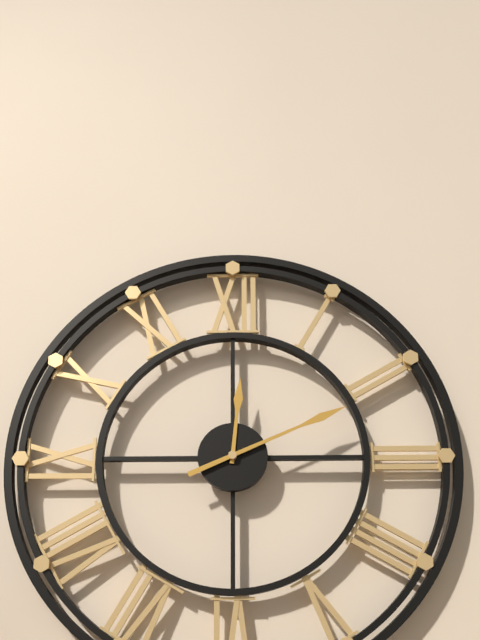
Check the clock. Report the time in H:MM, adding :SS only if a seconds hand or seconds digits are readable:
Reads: 12:11
